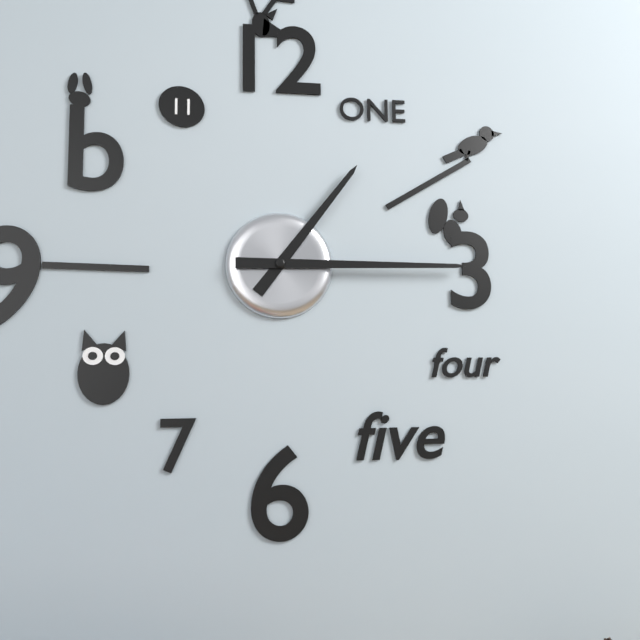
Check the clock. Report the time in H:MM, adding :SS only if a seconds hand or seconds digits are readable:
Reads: 1:15
